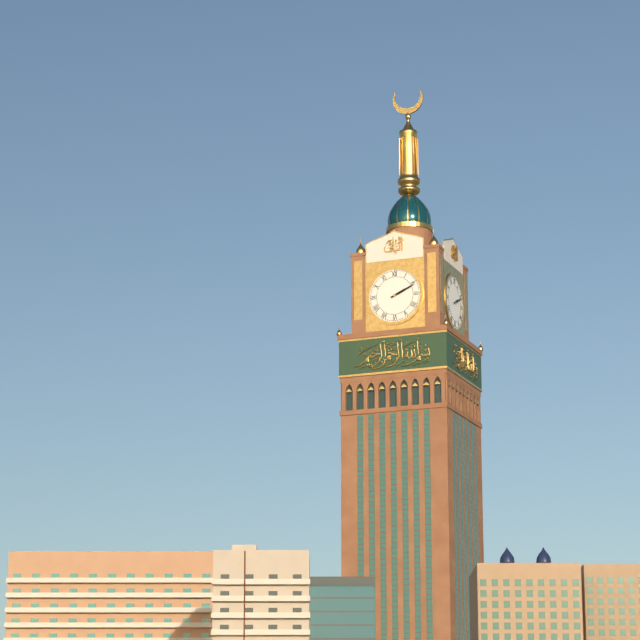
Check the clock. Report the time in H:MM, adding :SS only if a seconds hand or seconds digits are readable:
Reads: 2:11
